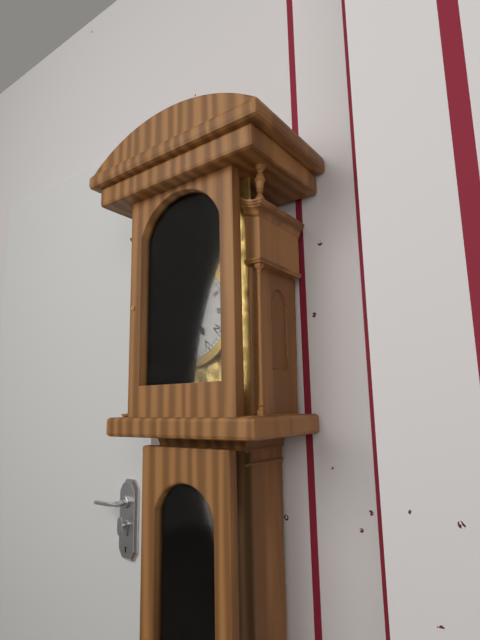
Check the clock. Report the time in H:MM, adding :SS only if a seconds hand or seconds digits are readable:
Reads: 4:51
